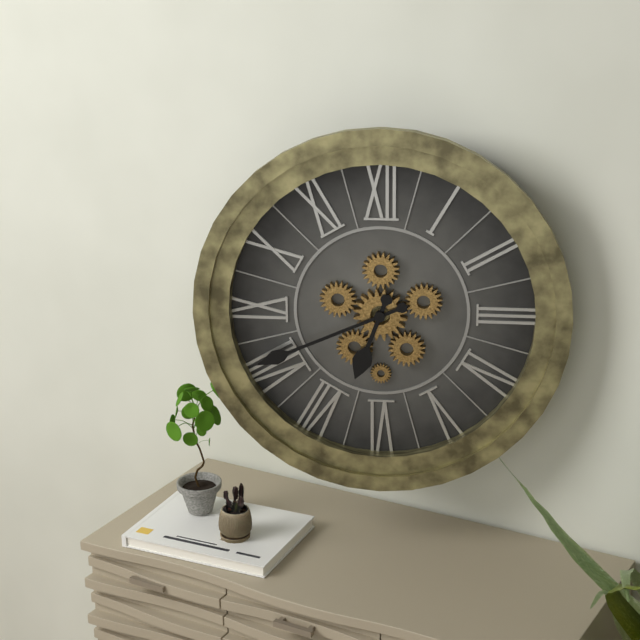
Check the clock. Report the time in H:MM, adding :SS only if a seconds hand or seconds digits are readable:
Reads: 6:41
